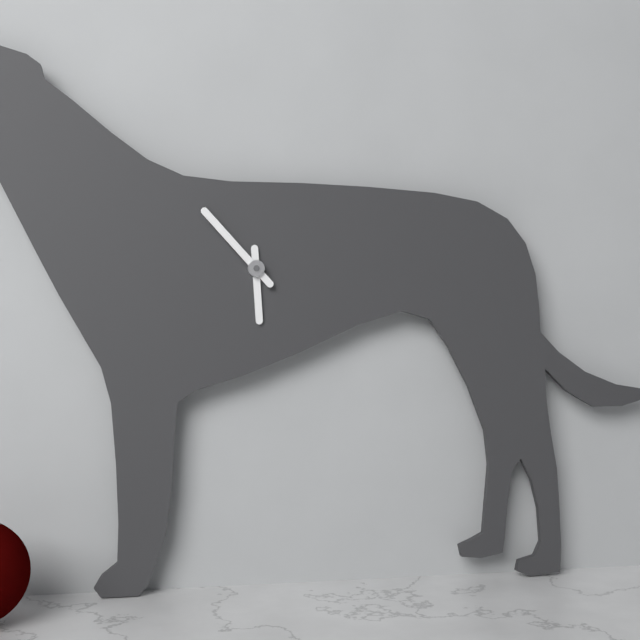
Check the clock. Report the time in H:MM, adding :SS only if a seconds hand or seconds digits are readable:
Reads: 5:53
